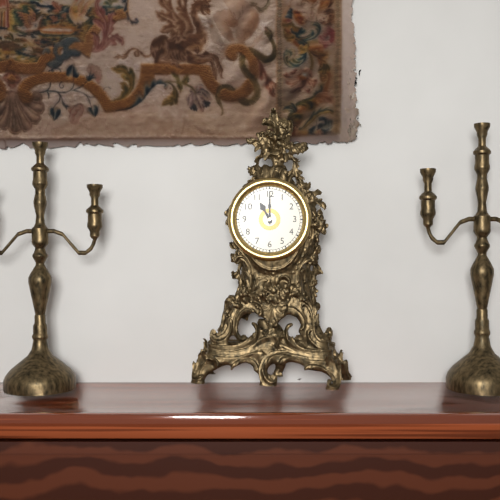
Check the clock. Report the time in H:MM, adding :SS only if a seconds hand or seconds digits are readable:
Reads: 11:00
